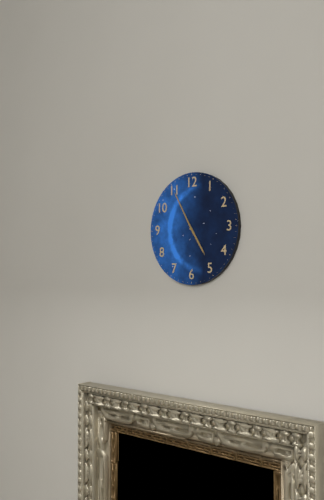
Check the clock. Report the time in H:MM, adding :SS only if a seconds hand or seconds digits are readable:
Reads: 4:55
